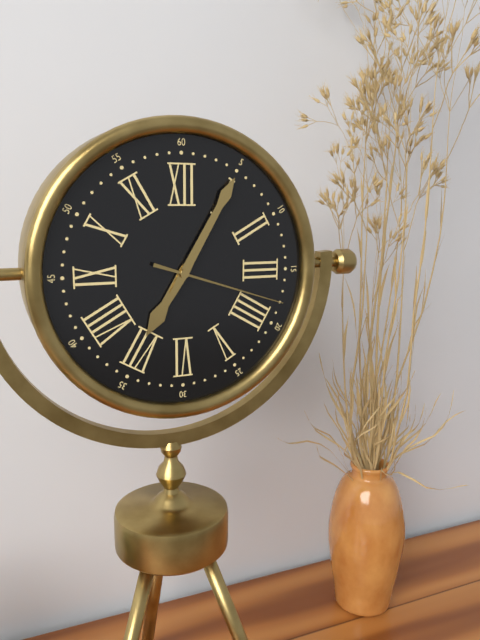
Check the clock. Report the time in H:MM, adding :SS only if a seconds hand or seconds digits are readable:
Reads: 7:05:18
